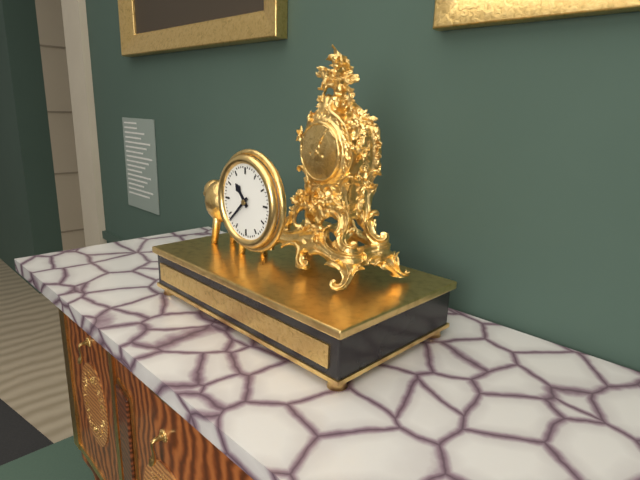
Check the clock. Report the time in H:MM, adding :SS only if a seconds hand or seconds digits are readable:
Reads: 10:38
